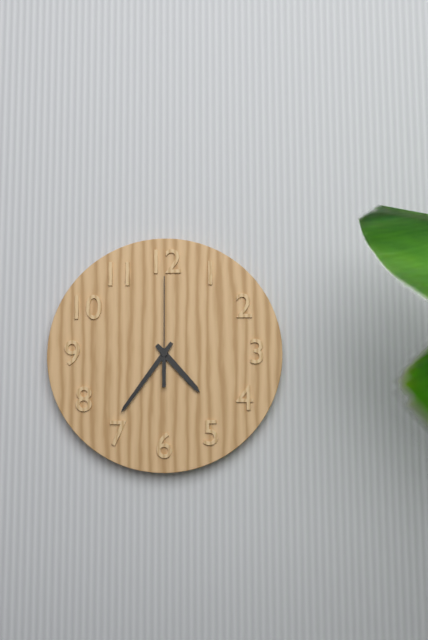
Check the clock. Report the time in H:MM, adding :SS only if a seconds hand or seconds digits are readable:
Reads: 4:36:00
